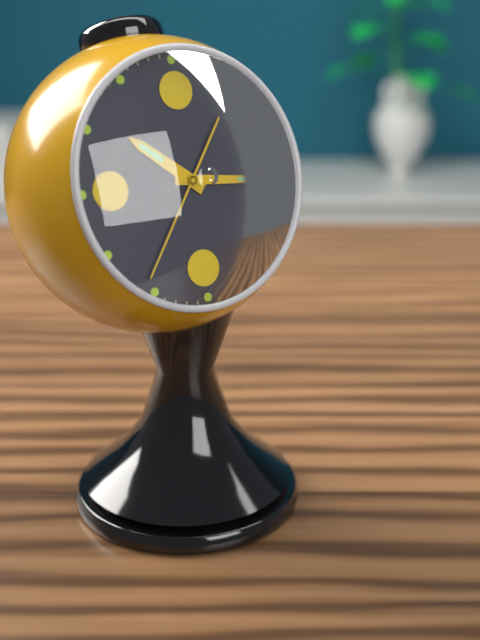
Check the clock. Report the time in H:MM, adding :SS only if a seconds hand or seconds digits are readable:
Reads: 10:16:36
